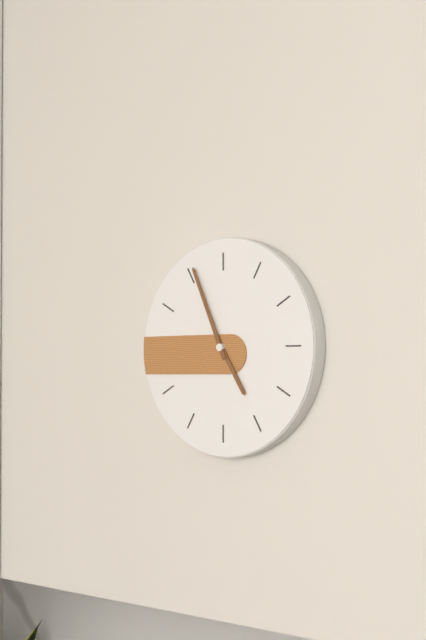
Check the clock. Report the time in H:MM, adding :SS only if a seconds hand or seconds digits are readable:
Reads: 4:56
